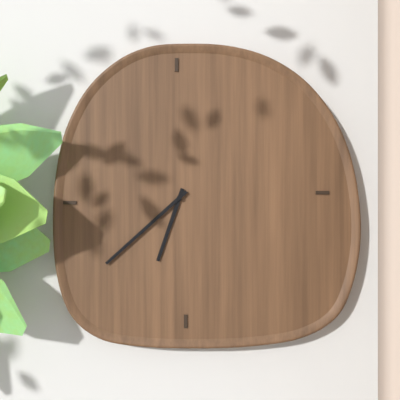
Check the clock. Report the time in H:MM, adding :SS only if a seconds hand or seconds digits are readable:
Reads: 6:38
